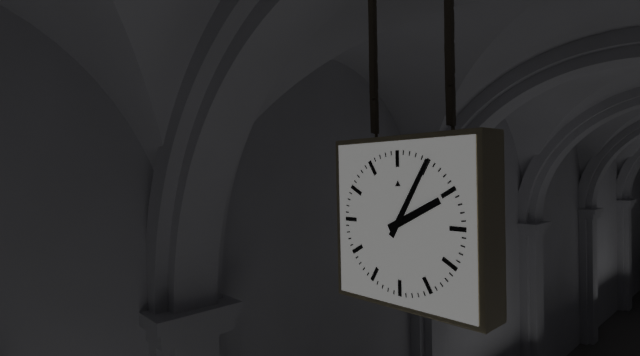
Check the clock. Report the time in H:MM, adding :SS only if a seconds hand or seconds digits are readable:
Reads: 2:05
